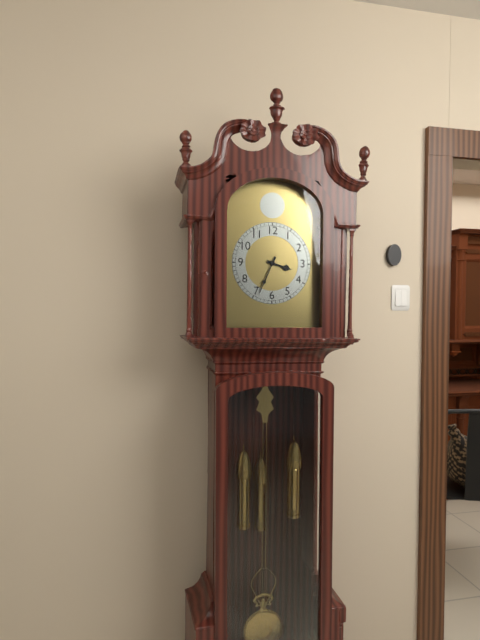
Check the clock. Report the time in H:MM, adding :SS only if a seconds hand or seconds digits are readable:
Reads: 3:34
